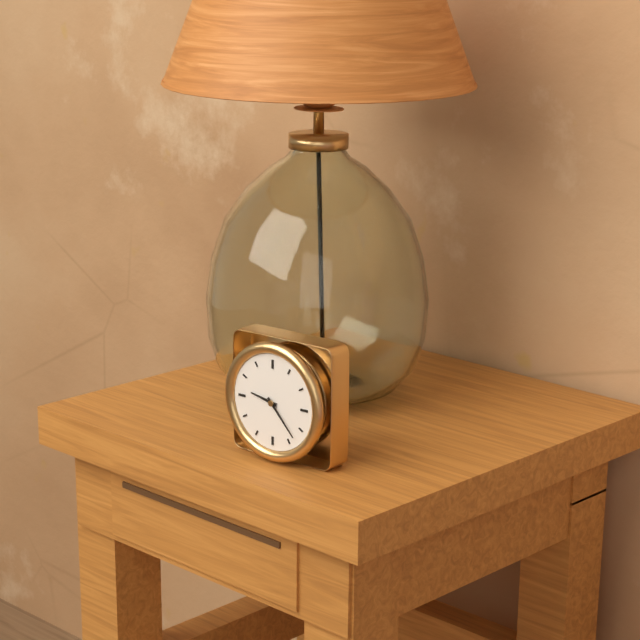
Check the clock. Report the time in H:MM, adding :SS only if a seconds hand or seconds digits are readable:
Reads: 9:23
